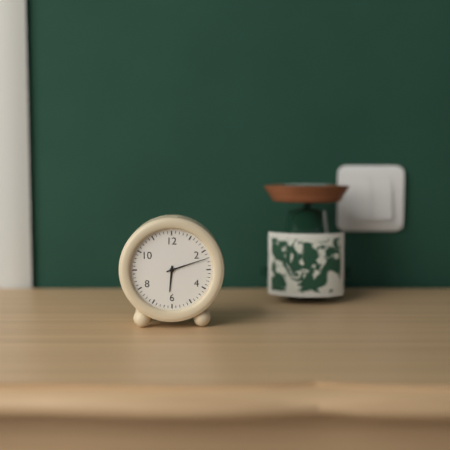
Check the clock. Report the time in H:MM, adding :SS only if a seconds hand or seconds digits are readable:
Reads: 6:12
